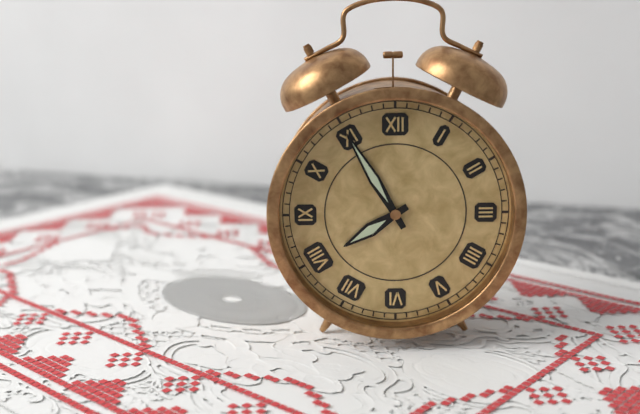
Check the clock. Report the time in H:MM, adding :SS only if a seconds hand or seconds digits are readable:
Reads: 7:55
